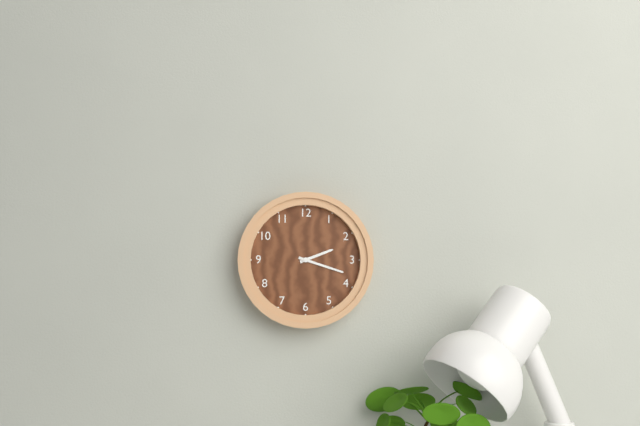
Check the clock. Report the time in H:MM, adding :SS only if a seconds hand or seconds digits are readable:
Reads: 2:18
